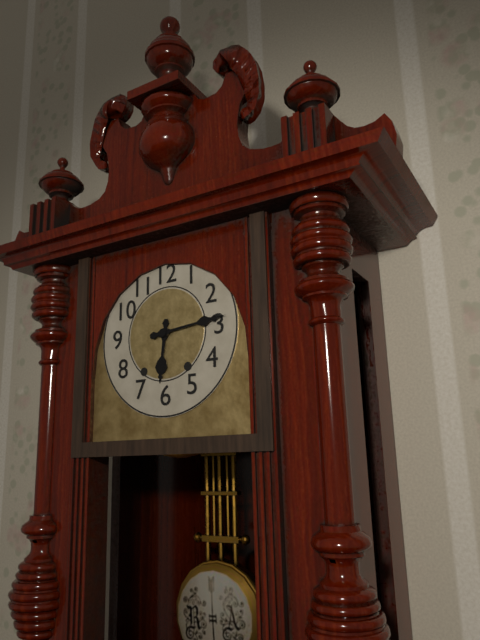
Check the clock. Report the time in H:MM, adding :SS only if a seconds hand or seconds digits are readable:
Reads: 6:14
